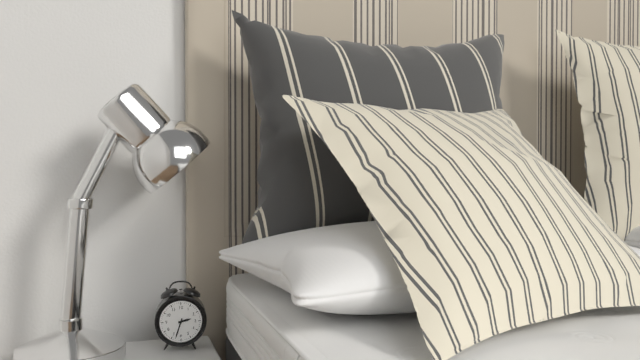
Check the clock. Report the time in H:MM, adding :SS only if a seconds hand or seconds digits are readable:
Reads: 2:33
